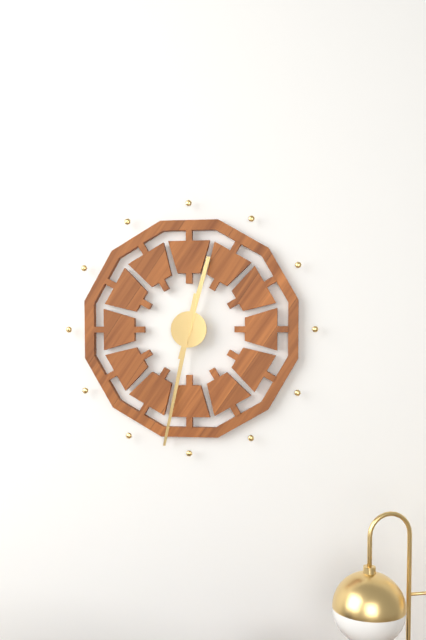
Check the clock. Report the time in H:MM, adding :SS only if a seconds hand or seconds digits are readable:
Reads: 12:32
